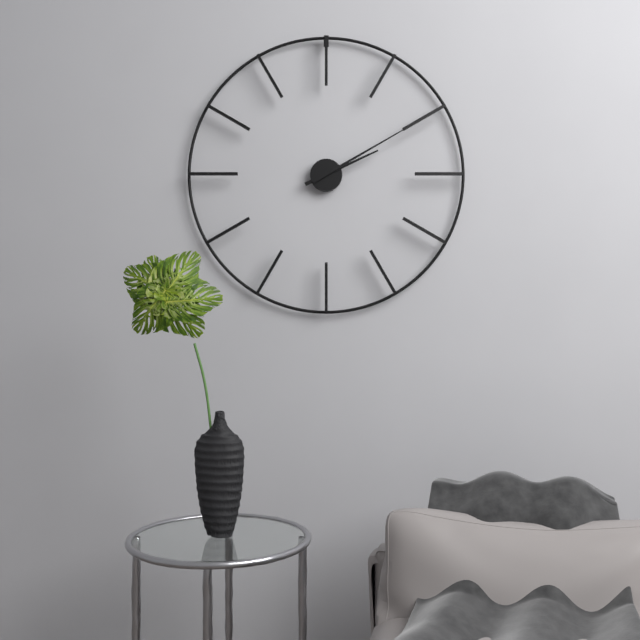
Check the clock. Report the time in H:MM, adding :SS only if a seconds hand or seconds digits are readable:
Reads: 2:10
